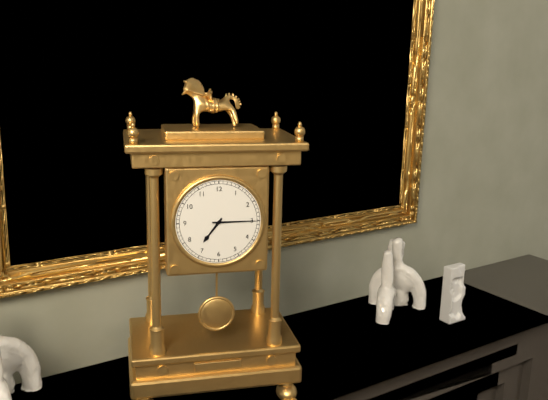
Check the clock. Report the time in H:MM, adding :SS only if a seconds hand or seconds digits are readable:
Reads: 7:15
